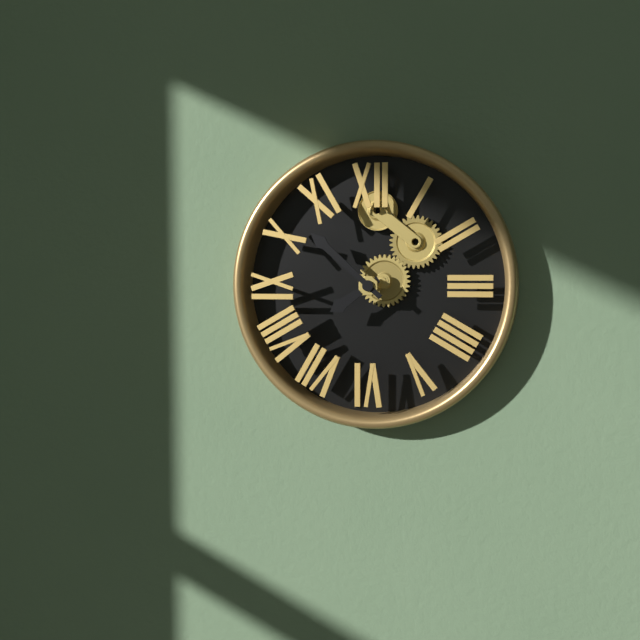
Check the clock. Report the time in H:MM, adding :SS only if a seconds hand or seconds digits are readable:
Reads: 7:52
